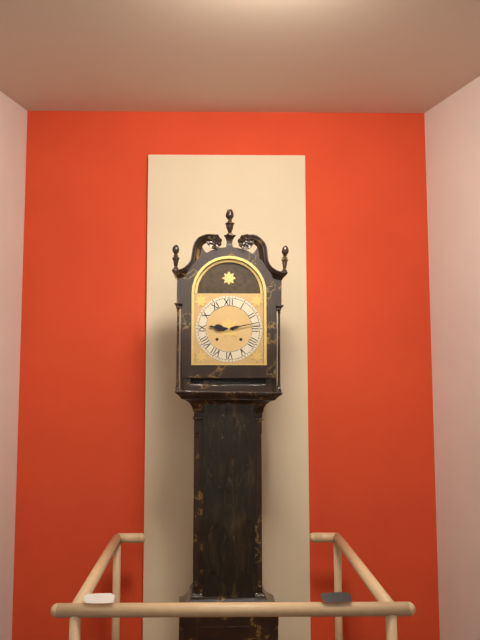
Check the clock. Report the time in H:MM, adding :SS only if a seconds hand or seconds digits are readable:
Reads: 9:13
